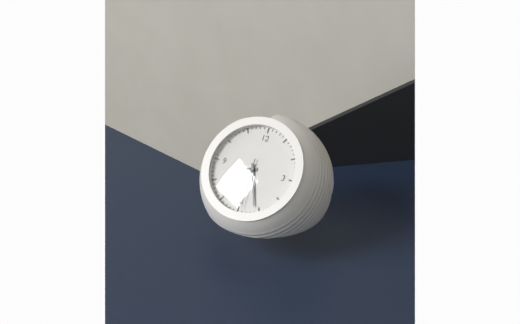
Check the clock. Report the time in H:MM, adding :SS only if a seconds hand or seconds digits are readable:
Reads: 8:26:29
